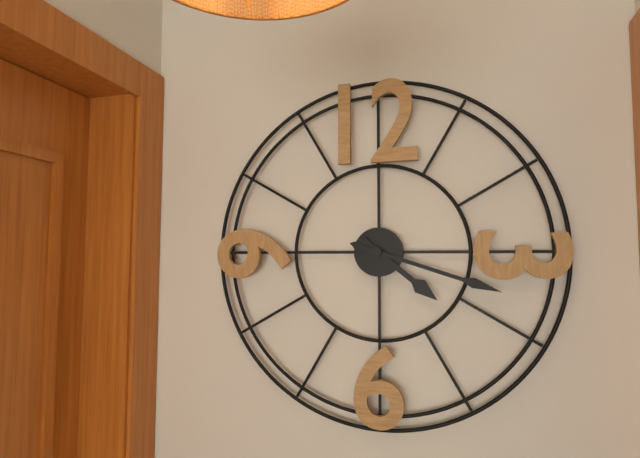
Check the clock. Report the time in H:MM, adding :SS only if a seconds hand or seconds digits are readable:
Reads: 4:18
